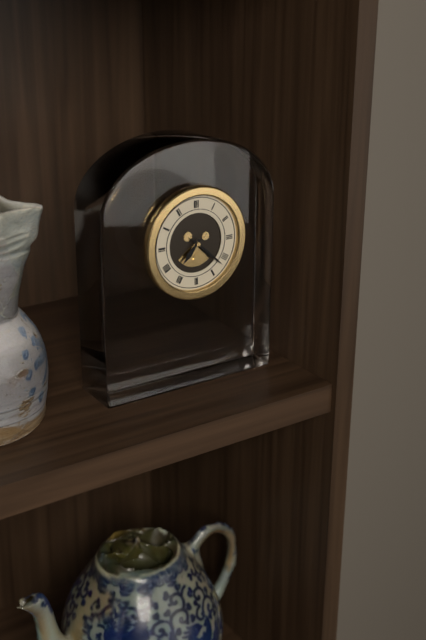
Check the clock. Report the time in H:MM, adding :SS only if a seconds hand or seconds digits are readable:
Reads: 7:22
